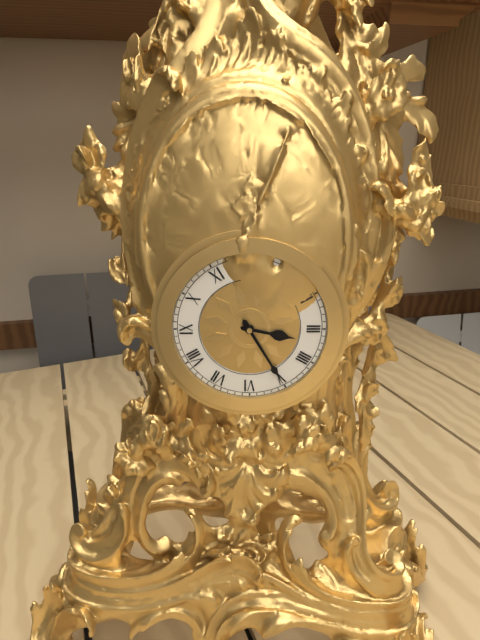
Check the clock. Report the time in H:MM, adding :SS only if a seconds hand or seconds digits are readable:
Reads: 3:25
